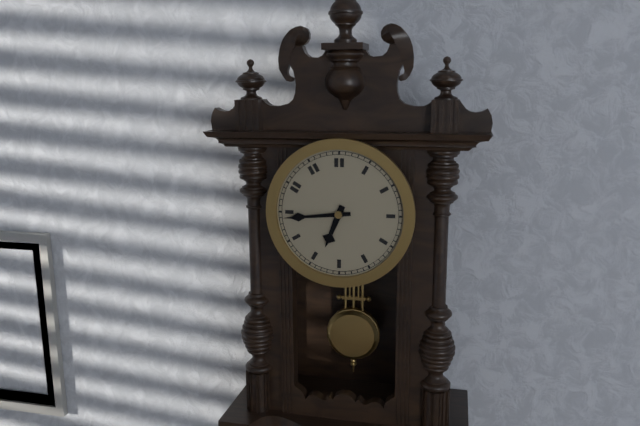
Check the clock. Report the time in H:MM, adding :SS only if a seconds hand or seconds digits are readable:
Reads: 6:44
